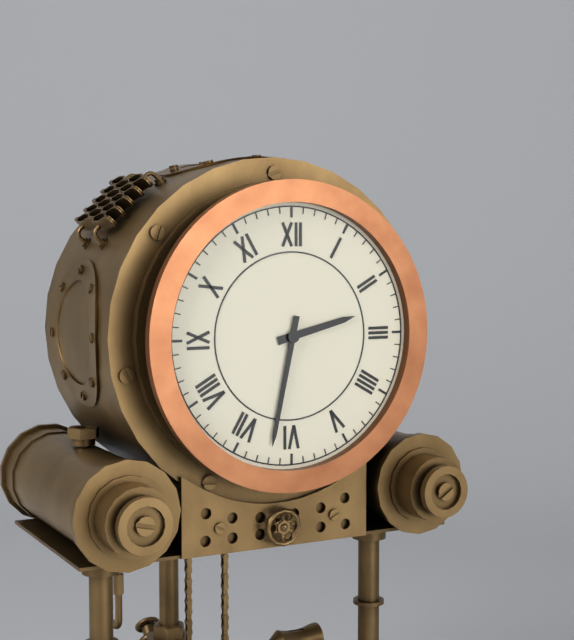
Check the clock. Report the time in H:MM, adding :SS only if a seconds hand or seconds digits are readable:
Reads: 2:32
